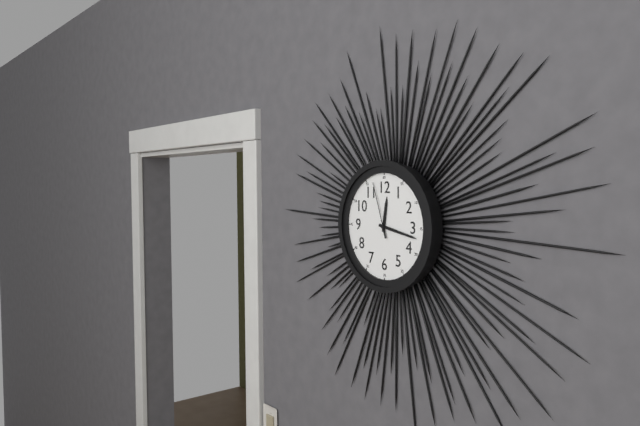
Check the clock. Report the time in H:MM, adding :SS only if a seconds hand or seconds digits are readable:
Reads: 12:17:57
